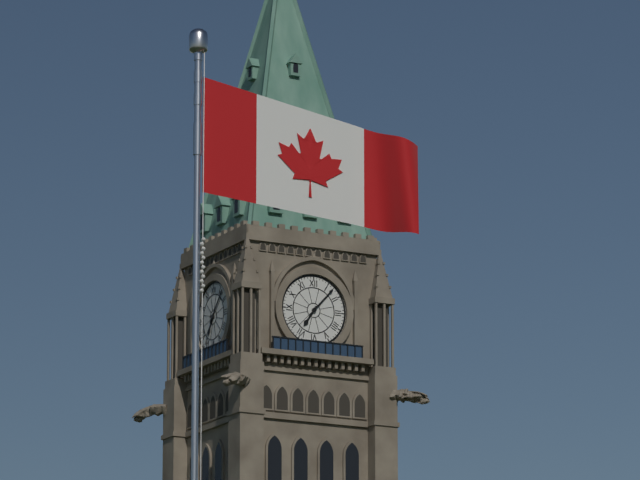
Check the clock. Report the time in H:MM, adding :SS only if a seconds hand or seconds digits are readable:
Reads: 7:07
